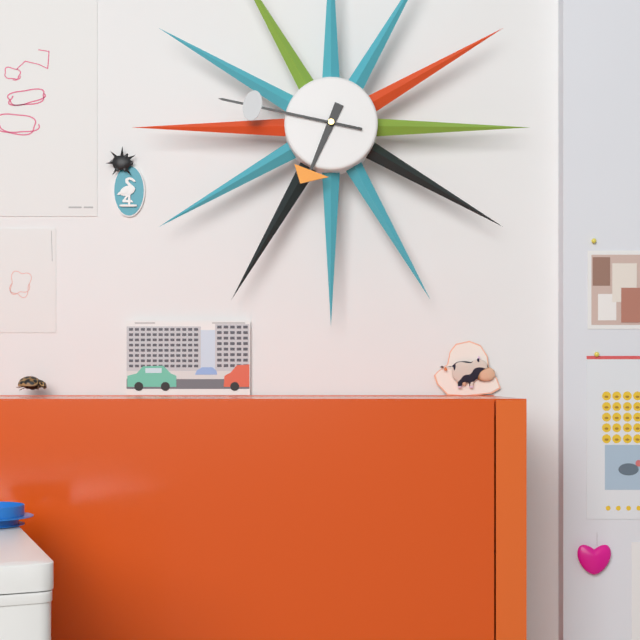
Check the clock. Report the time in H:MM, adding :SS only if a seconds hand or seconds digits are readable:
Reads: 6:47
